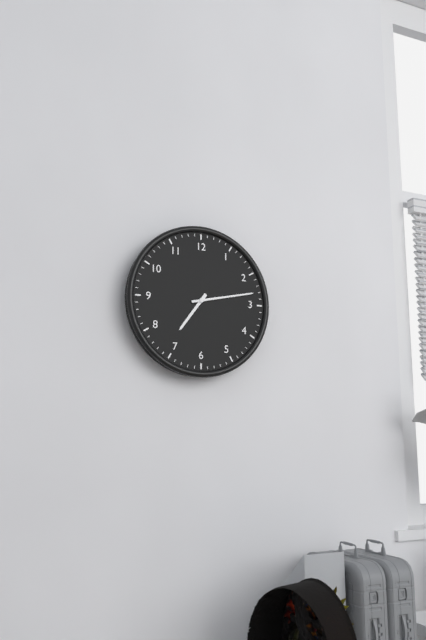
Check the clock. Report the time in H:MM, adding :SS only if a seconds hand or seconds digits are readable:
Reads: 7:13
